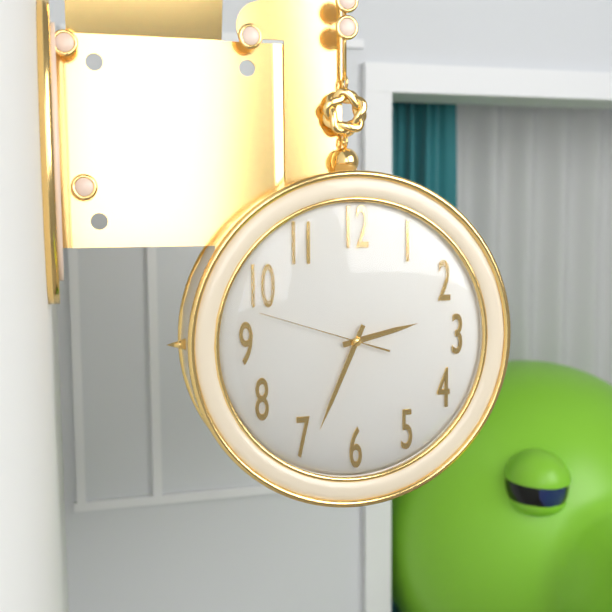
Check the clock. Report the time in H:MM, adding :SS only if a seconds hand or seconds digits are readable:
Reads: 2:34:48
